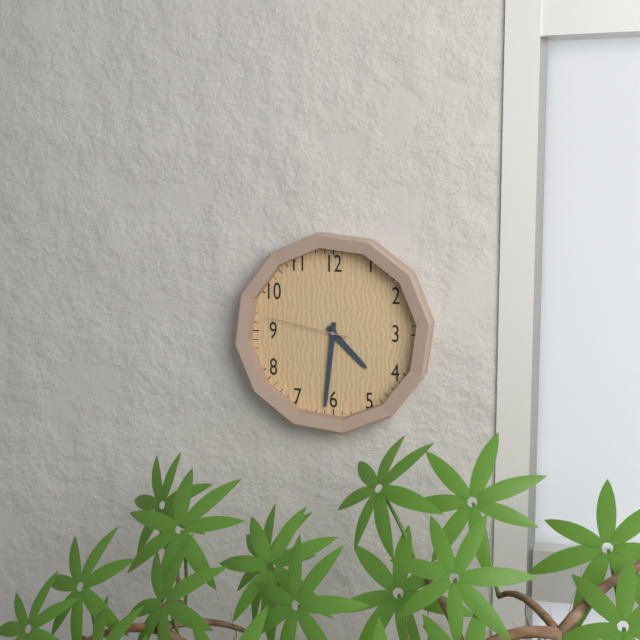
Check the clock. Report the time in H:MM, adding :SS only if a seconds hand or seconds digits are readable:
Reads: 4:31:47
